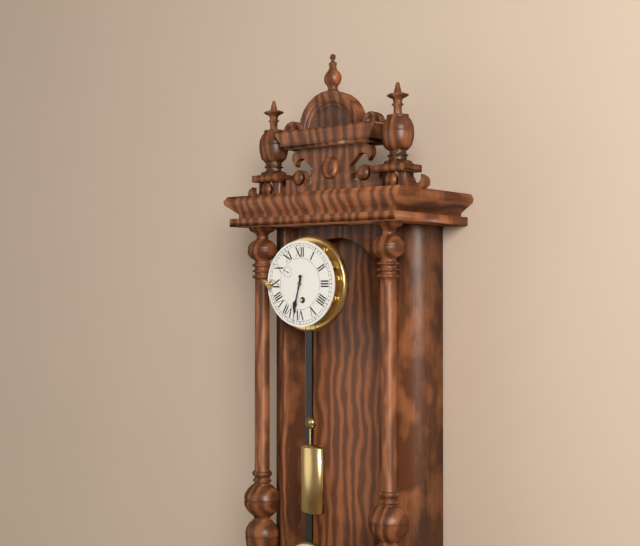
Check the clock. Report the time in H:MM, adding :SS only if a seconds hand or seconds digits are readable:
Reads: 6:32
